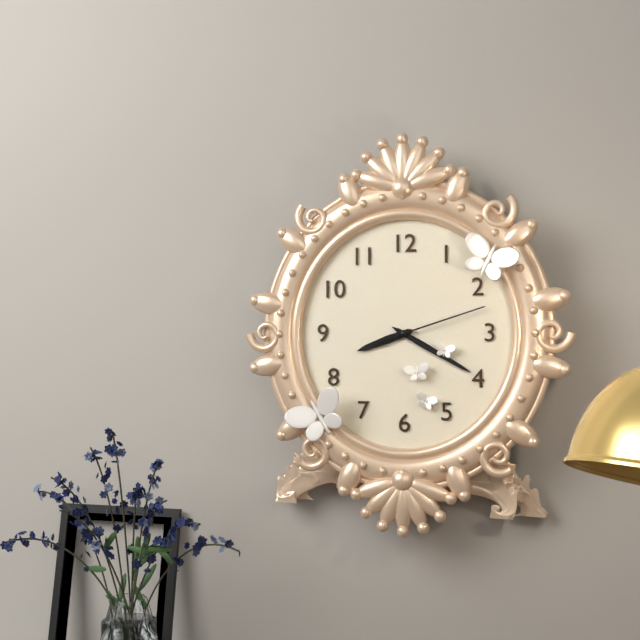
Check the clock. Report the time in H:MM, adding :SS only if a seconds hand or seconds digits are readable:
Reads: 8:20:12
